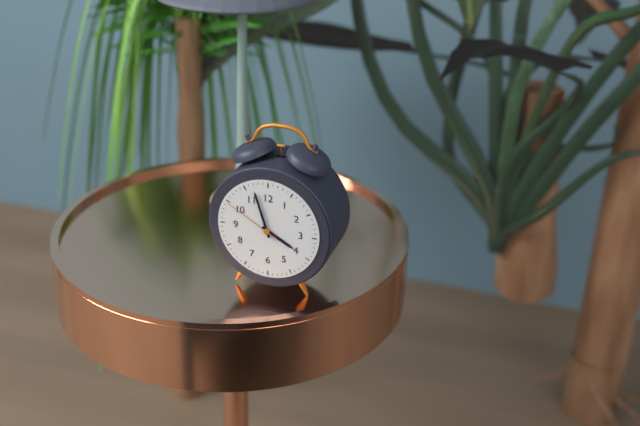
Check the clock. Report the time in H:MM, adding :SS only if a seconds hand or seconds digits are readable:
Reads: 3:57:50
